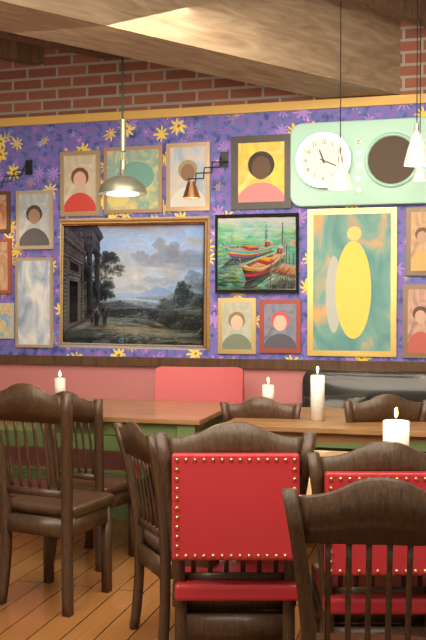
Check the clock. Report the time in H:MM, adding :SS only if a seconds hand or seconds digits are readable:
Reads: 11:19
